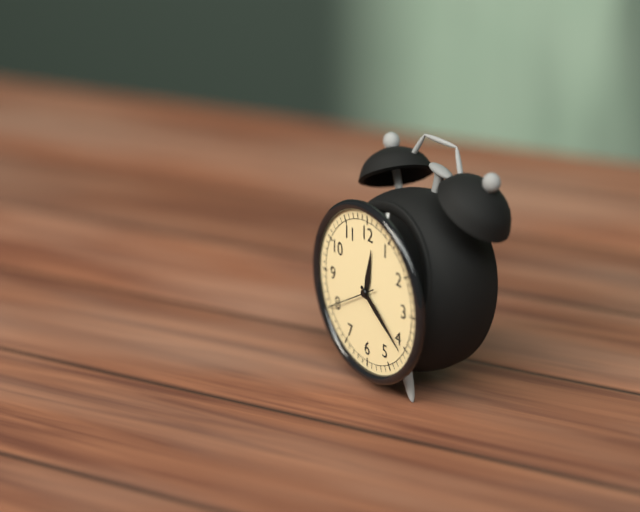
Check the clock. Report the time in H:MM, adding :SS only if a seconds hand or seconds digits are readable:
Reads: 12:21:40
